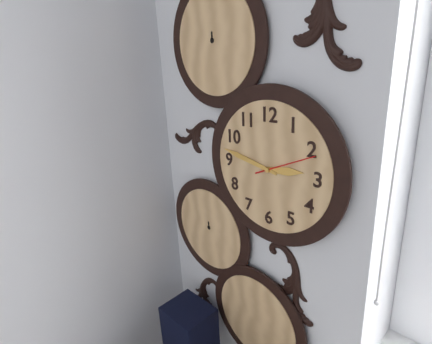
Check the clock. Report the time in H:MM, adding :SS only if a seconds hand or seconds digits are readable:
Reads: 2:47:11
